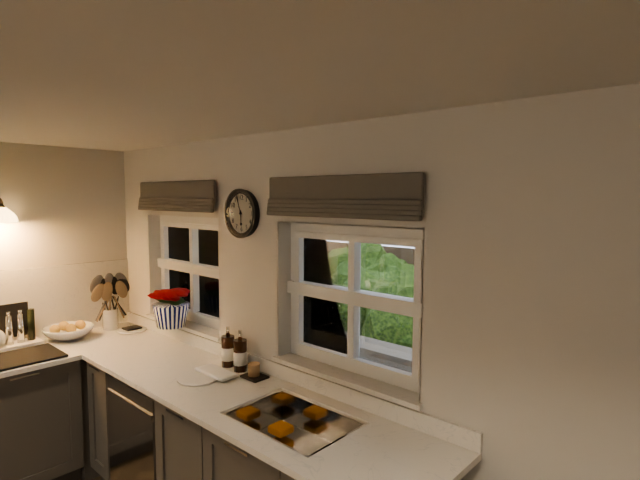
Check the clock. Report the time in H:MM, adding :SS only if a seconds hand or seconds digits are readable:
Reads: 5:57
